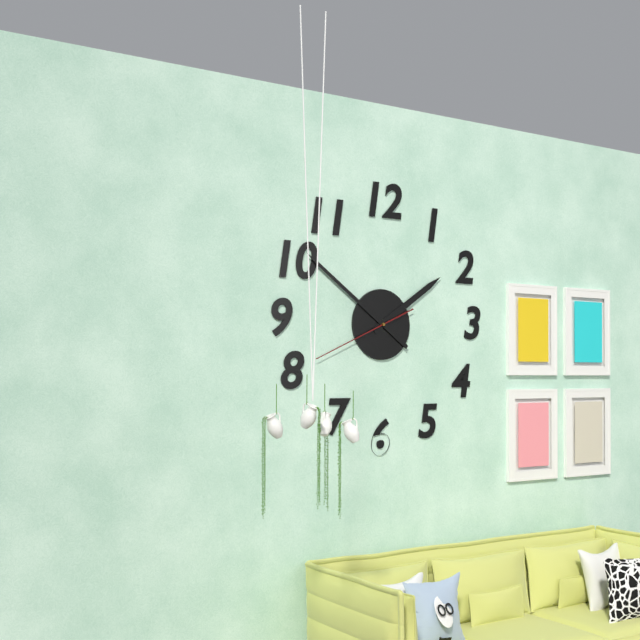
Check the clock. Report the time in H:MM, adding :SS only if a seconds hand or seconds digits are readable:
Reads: 1:51:41
